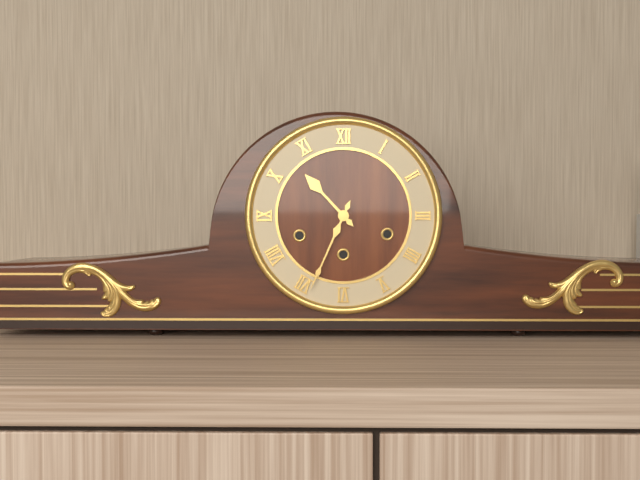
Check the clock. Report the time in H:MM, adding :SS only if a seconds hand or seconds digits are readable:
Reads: 10:34
